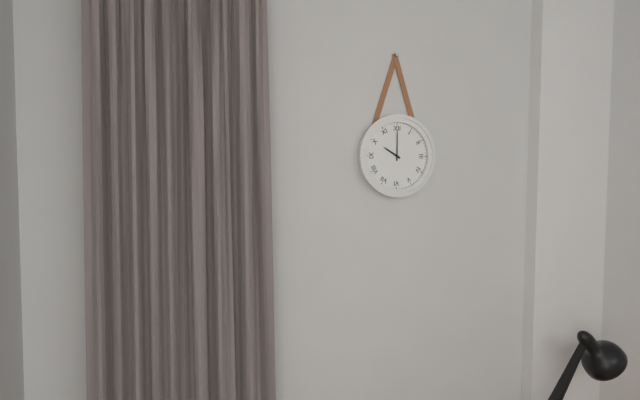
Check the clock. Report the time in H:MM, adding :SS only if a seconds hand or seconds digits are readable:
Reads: 10:00
